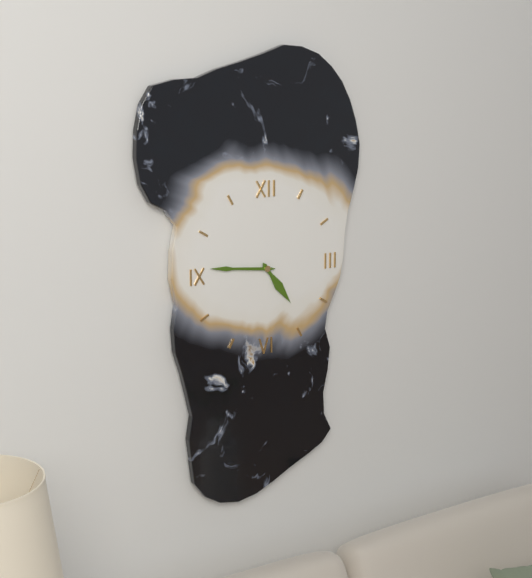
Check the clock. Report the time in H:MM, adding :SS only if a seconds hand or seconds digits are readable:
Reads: 4:46
